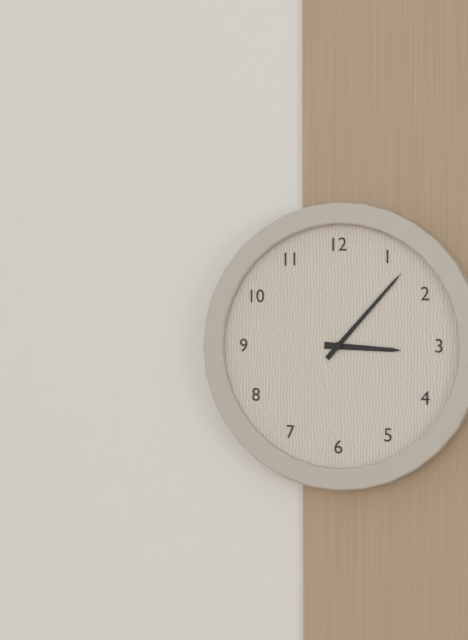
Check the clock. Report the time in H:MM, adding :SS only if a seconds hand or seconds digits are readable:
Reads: 3:07
